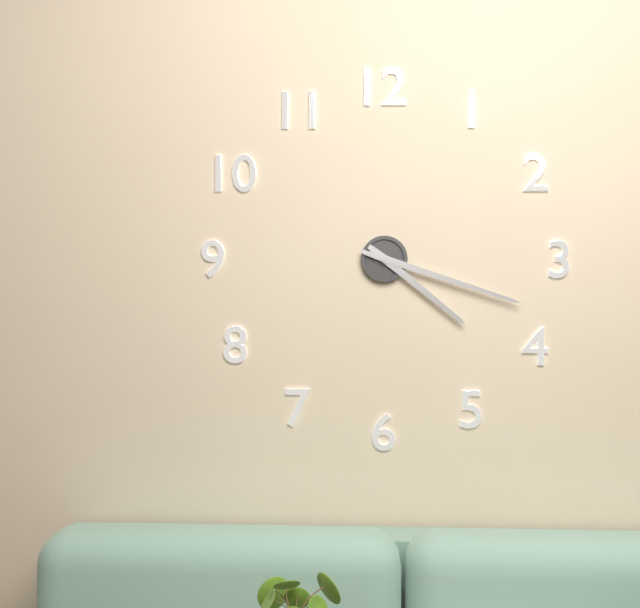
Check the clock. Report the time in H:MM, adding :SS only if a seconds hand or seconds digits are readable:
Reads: 4:18
